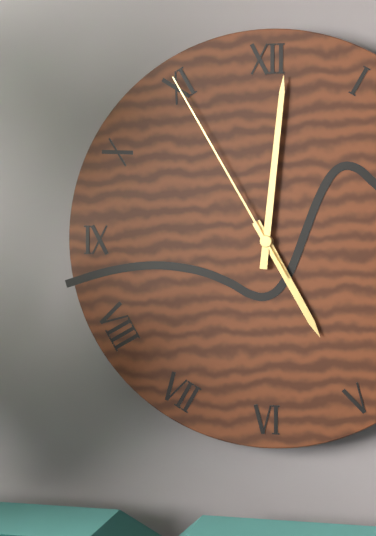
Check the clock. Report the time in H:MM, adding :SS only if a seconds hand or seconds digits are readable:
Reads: 5:01:55
